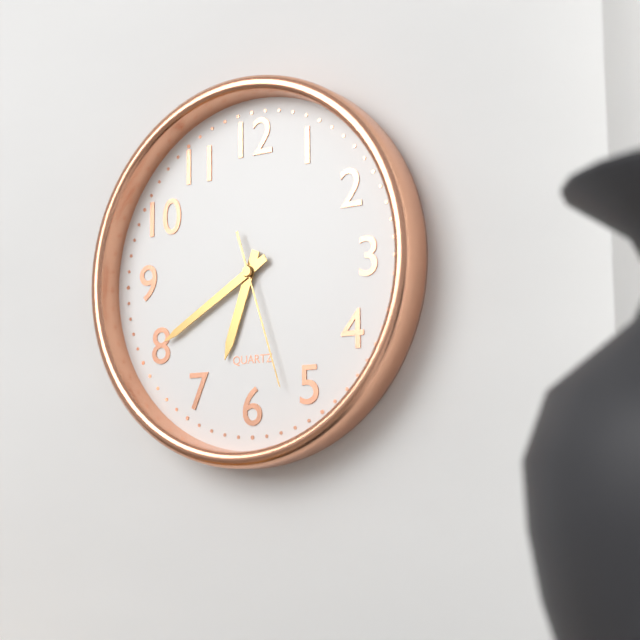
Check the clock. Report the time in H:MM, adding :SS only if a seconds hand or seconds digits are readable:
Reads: 6:40:27
